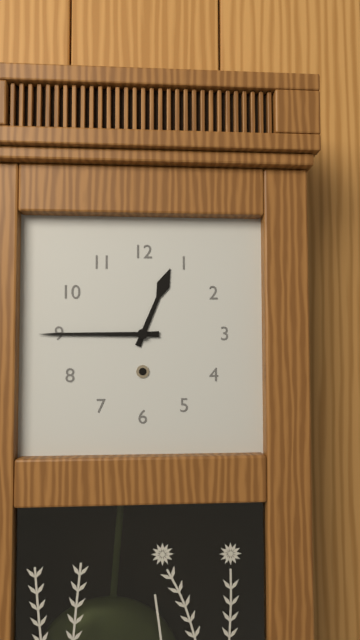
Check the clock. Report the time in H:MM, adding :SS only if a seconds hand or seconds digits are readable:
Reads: 12:45
